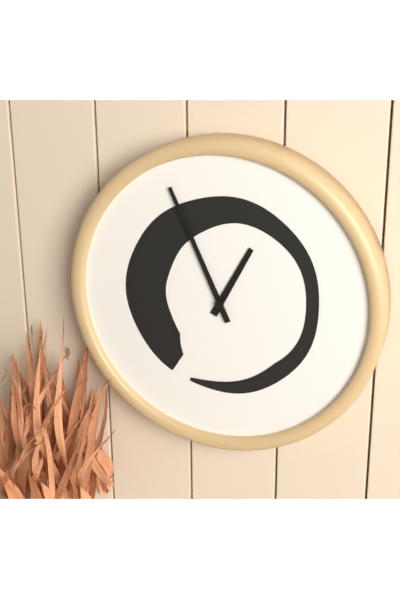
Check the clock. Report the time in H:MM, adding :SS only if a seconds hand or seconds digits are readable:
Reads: 12:56
